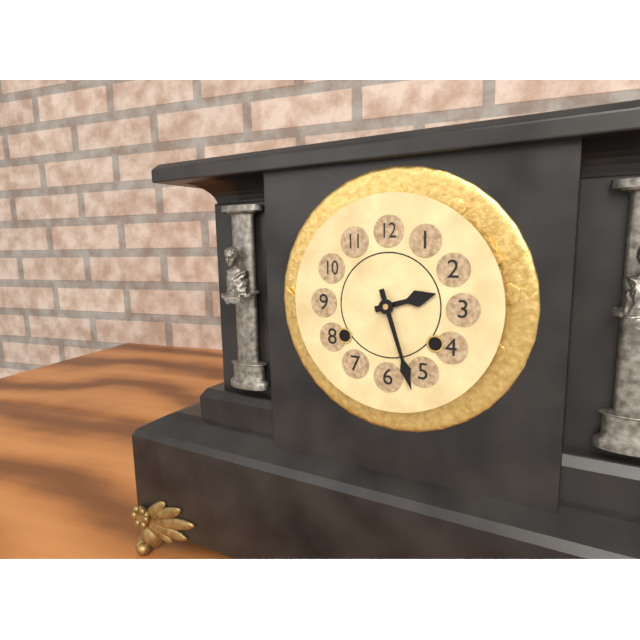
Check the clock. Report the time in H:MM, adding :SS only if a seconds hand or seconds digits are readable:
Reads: 2:27
